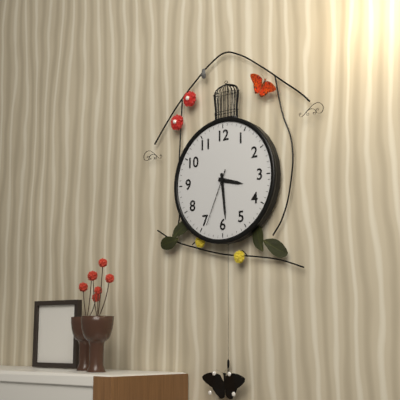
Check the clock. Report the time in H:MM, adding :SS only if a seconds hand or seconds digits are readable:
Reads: 3:29:34
